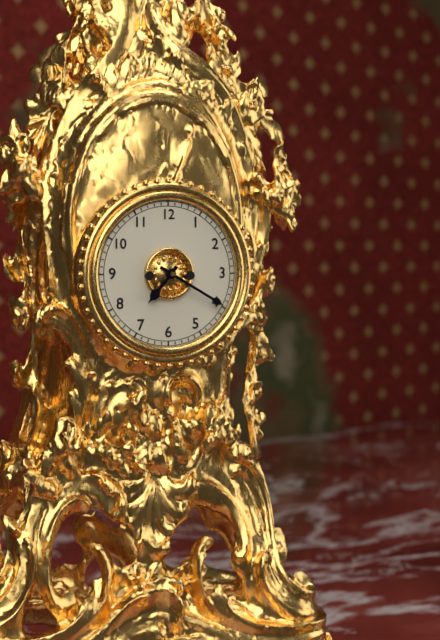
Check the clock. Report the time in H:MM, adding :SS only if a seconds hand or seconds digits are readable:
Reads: 7:20
